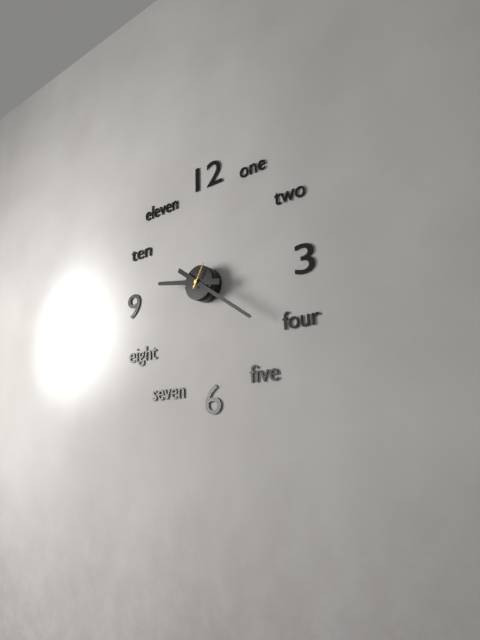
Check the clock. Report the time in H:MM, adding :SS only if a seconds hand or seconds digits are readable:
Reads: 9:21
